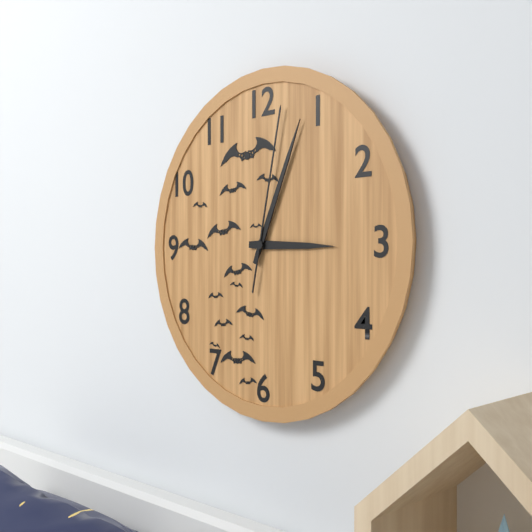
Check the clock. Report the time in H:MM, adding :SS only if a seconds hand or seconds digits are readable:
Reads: 3:04:02
